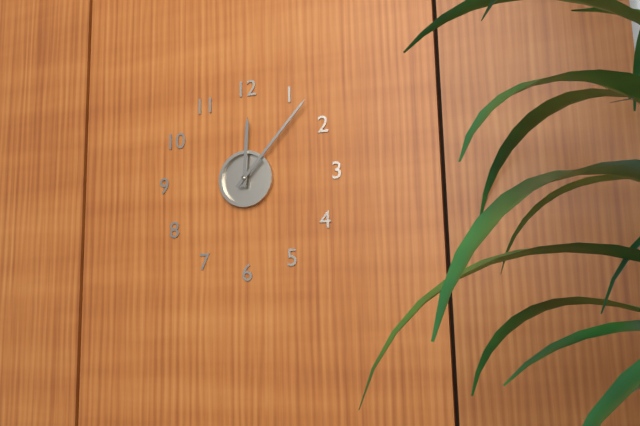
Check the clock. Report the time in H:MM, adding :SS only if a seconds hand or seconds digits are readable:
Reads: 12:07
